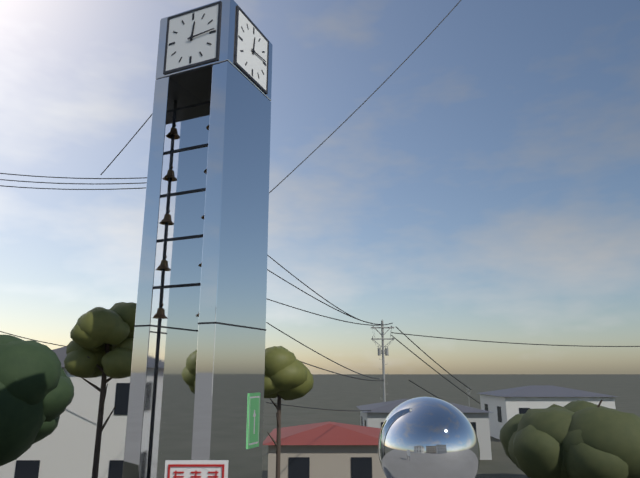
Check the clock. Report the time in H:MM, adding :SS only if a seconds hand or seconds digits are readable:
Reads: 12:14
